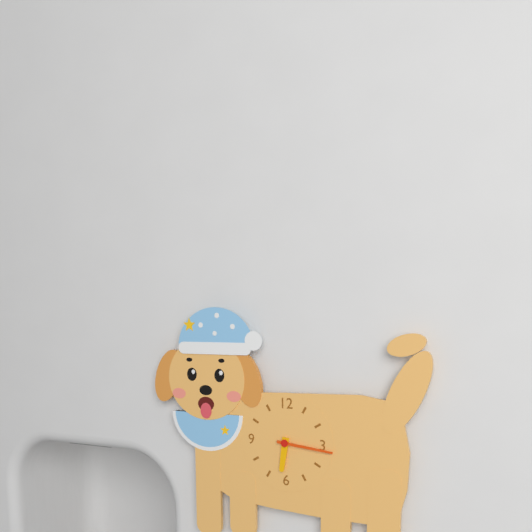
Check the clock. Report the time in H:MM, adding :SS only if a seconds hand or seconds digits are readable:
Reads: 6:16
